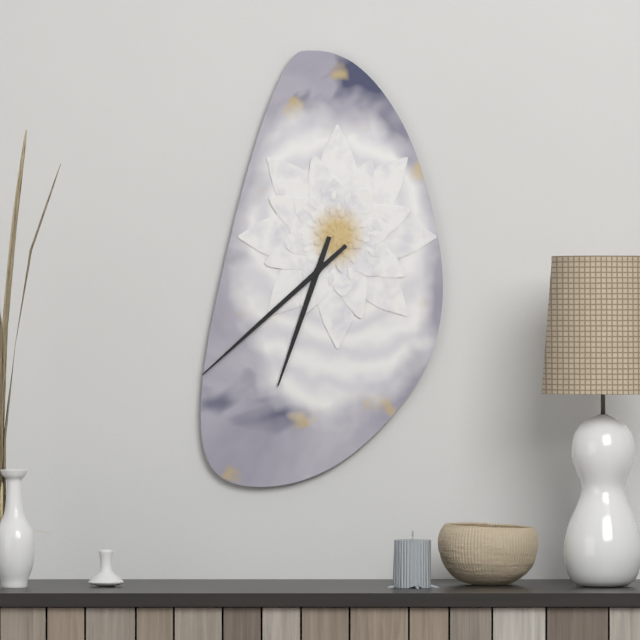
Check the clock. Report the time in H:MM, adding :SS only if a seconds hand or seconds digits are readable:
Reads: 6:38
